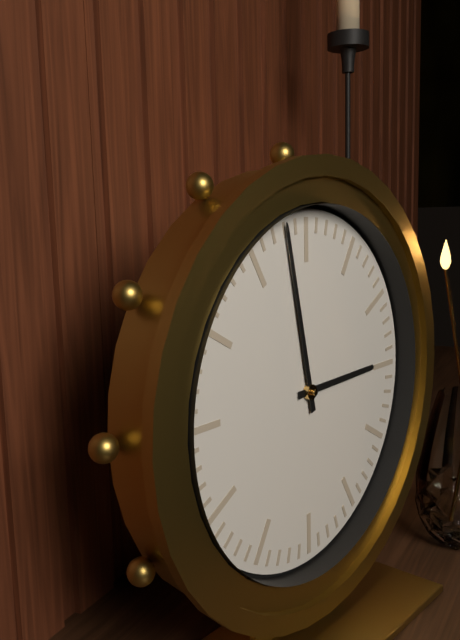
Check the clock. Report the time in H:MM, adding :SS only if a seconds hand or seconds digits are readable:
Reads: 2:58
